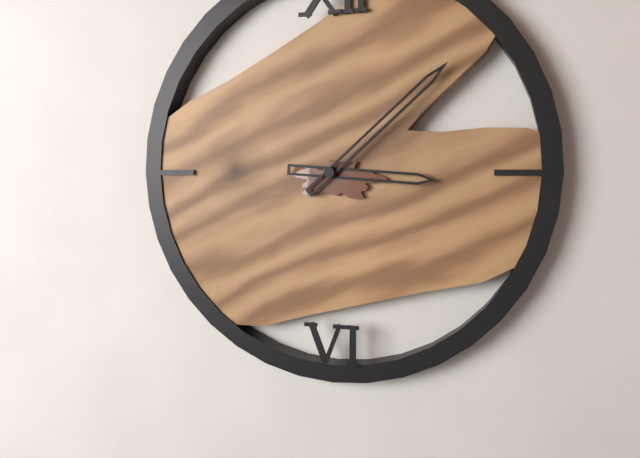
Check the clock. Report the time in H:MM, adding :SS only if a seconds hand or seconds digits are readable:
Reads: 3:08
